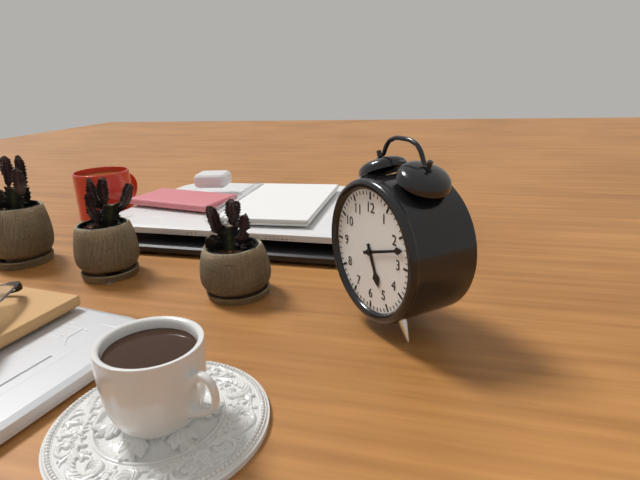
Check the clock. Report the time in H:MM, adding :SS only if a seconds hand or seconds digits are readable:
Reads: 5:12
